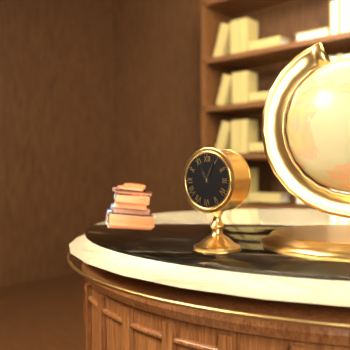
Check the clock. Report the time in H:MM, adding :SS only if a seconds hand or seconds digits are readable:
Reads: 11:04
